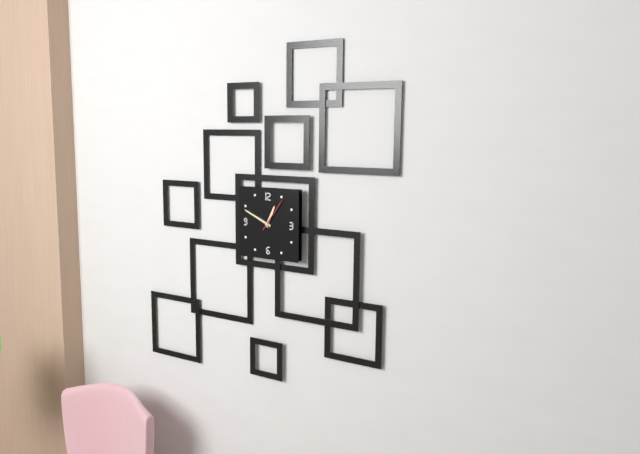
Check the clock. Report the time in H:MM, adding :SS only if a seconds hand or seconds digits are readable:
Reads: 12:49
